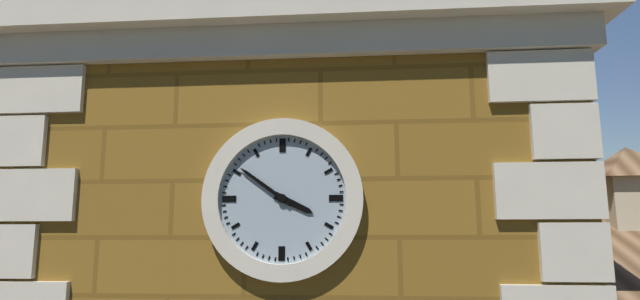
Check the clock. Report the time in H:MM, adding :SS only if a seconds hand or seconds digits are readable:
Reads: 3:51
